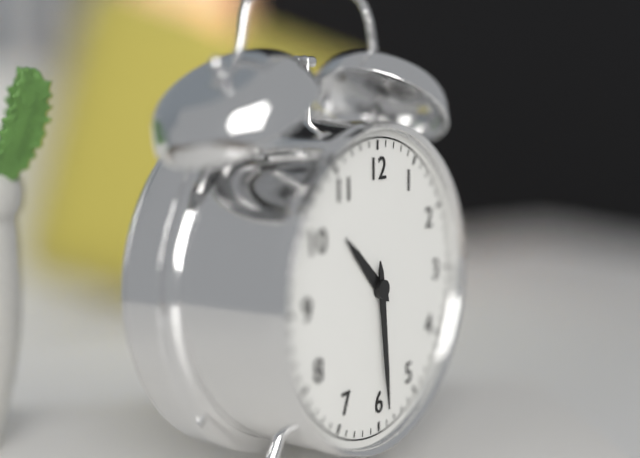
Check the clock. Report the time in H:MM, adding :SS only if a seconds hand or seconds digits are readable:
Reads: 10:29
